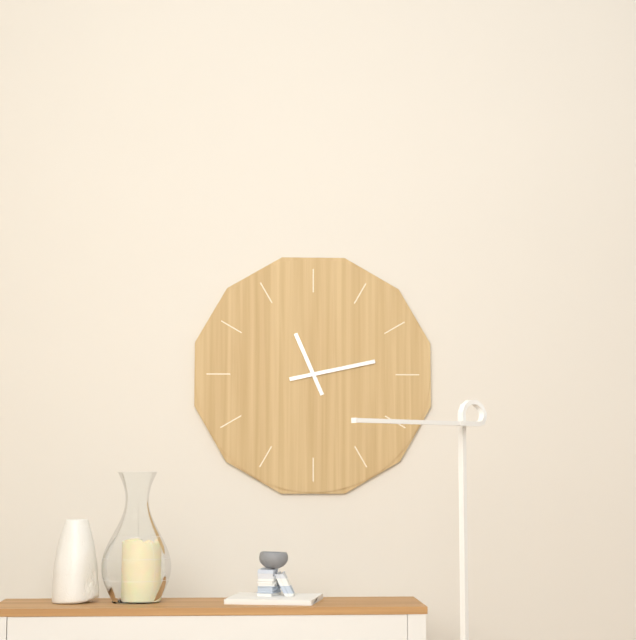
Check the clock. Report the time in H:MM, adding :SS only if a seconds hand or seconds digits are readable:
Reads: 11:13
